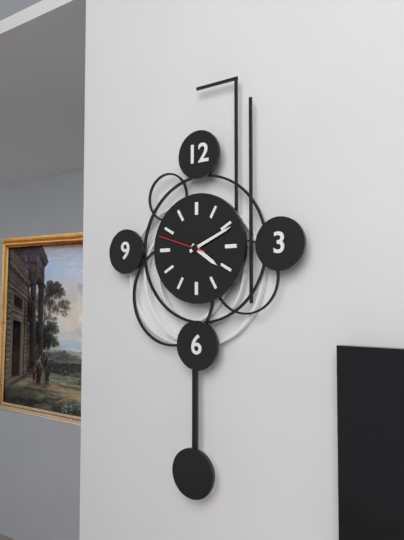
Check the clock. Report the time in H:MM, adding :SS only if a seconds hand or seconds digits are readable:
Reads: 4:11:48
